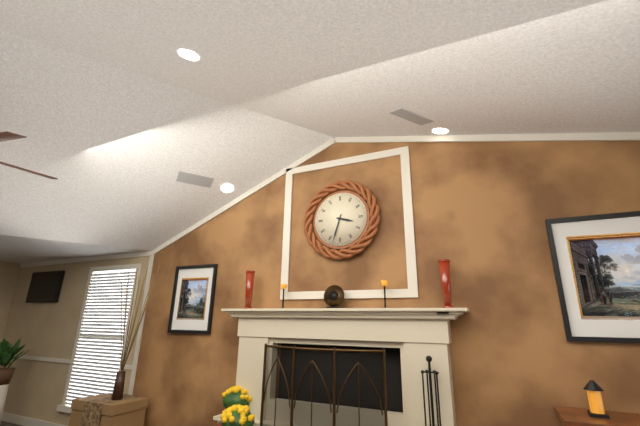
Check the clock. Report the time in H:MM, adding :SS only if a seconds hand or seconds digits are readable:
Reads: 3:33
